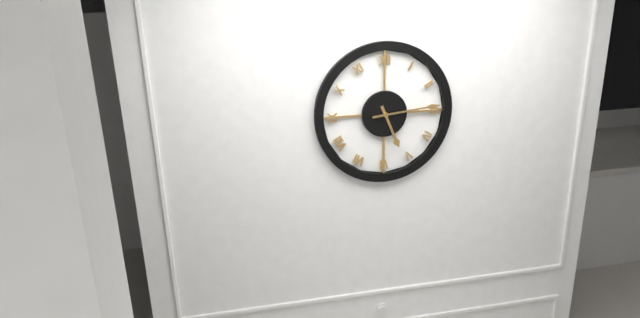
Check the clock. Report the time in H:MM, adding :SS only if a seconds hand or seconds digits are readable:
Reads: 5:14
